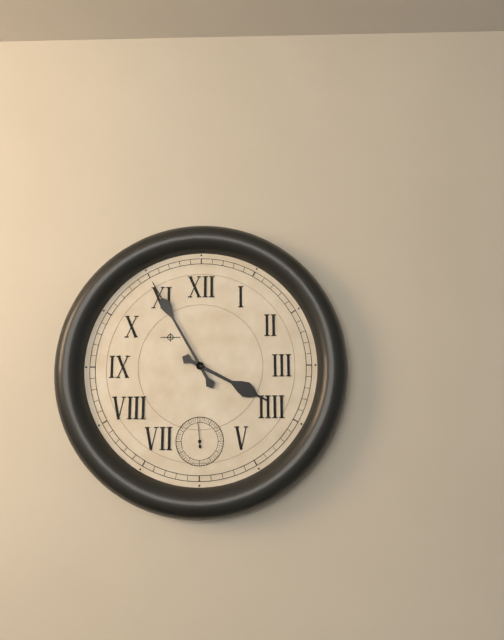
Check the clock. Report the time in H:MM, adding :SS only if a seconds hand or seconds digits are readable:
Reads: 3:55
